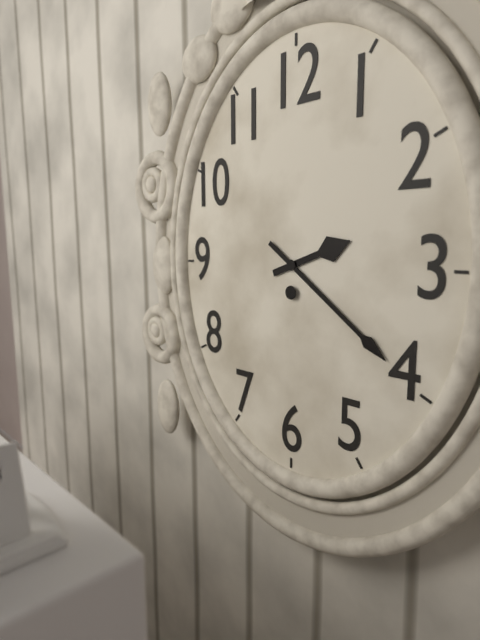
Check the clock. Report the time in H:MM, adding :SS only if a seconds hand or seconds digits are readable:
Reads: 2:21
